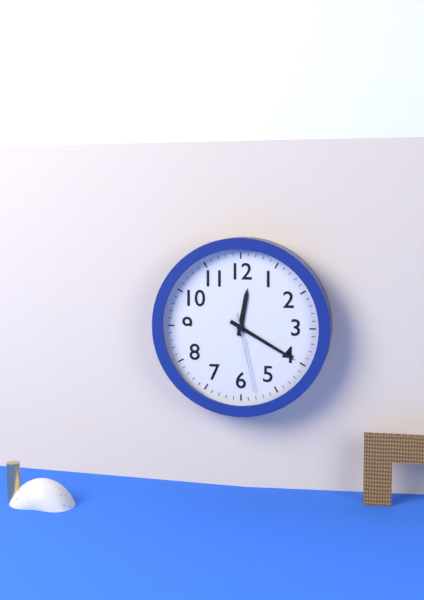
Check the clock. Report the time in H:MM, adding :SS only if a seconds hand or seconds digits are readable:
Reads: 12:20:28
